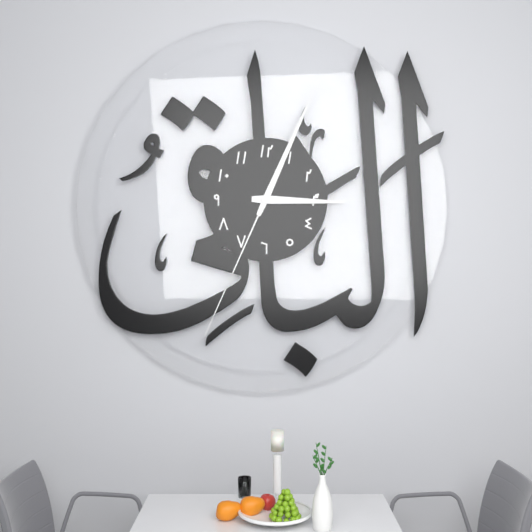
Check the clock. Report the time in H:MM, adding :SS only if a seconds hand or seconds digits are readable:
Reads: 3:04:34
